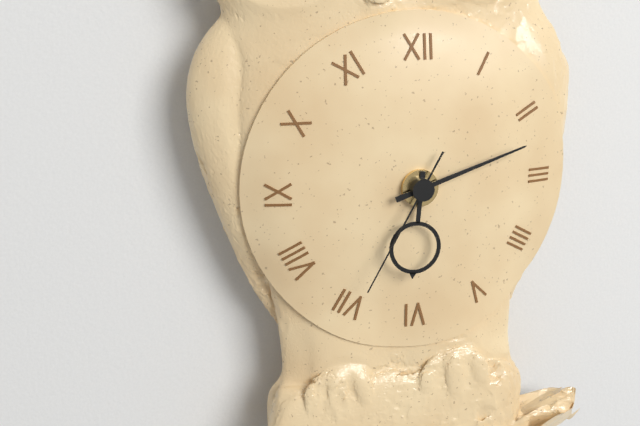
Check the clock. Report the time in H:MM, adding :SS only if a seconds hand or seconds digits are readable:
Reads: 6:12:35
